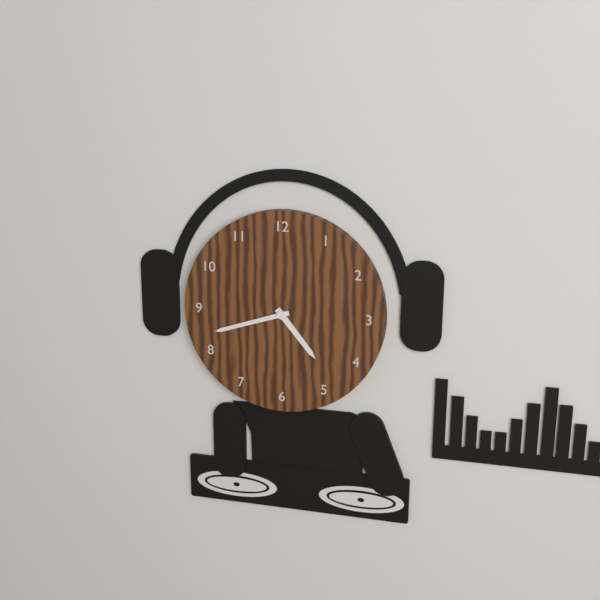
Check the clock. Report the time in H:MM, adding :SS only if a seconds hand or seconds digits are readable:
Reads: 4:42
